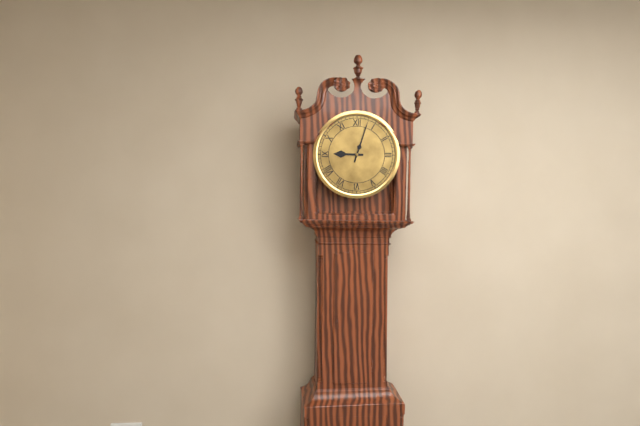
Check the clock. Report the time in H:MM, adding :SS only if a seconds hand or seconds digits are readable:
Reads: 9:03
